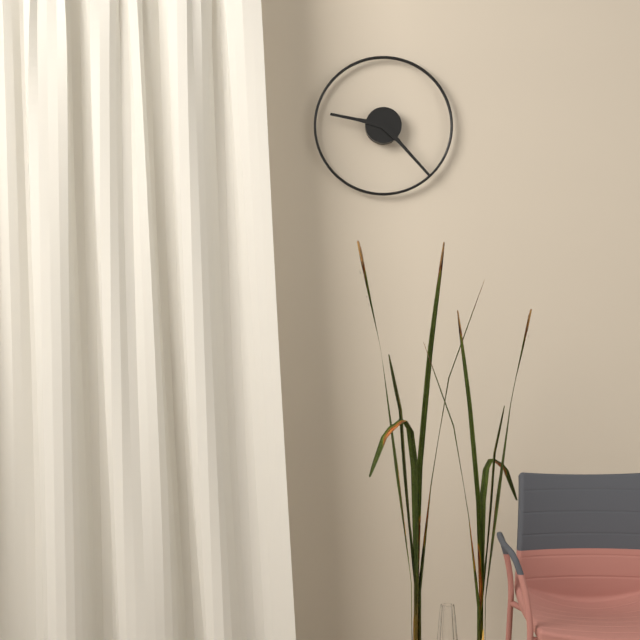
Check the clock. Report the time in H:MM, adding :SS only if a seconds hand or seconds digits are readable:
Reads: 9:23
